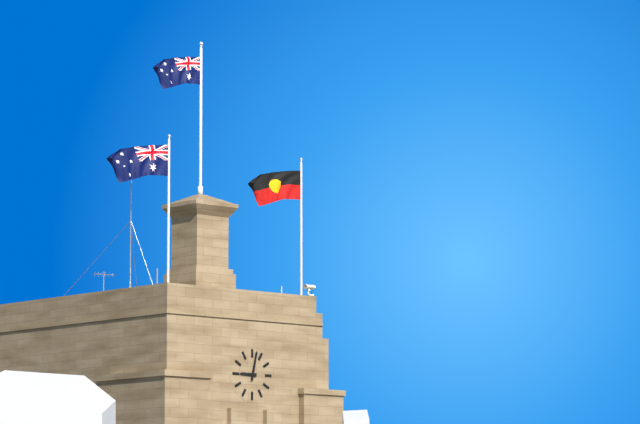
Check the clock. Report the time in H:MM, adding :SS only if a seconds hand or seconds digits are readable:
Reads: 9:02
